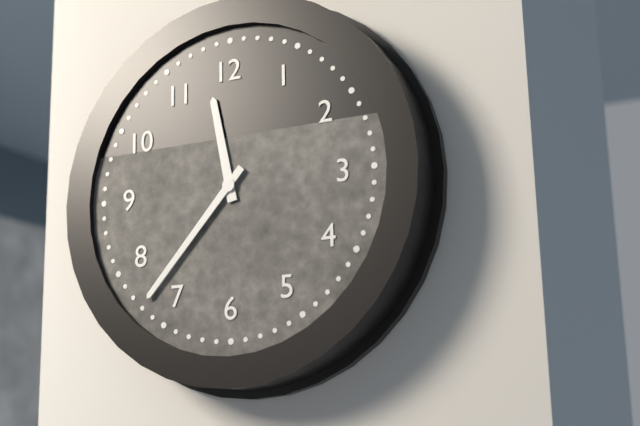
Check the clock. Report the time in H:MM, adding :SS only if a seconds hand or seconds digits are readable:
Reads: 11:37
